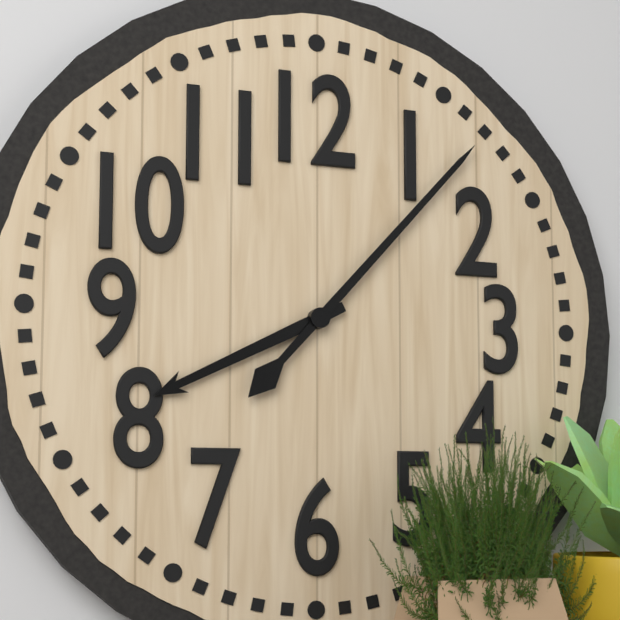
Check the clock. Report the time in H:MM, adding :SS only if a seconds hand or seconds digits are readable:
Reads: 8:07
